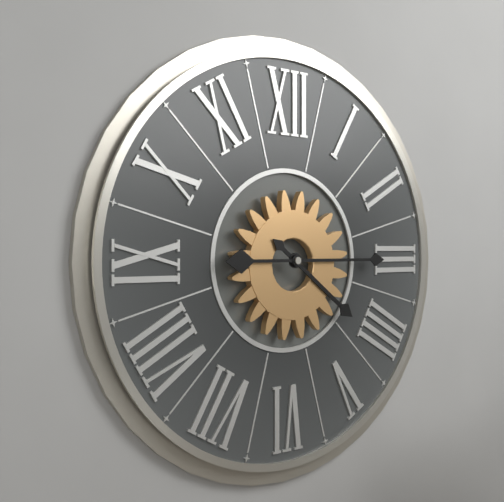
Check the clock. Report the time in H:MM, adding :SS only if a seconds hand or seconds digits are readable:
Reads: 4:15
